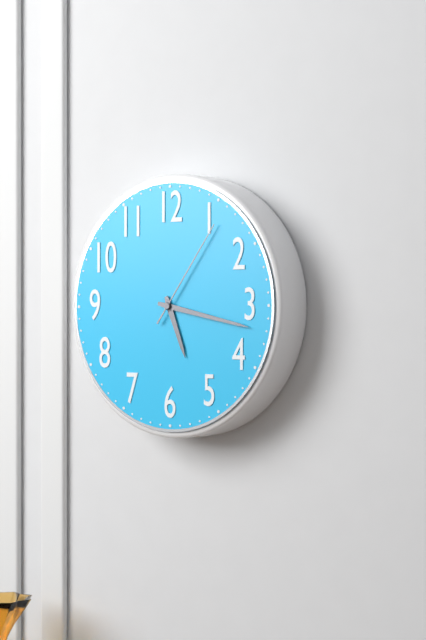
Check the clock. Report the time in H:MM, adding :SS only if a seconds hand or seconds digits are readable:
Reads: 5:17:06
